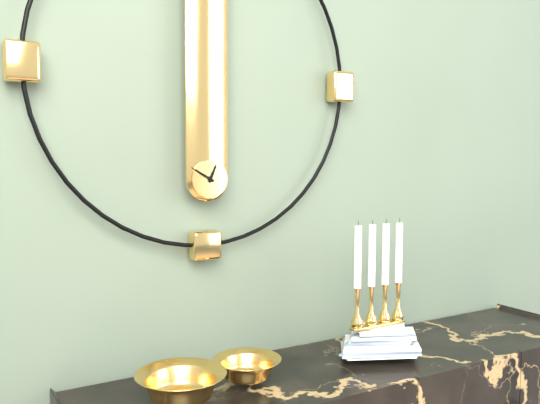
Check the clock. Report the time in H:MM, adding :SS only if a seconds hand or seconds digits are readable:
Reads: 12:50
